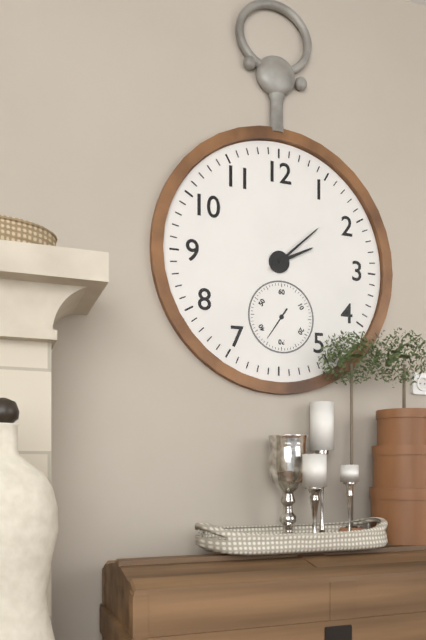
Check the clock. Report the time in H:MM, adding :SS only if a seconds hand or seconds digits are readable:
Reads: 2:08
